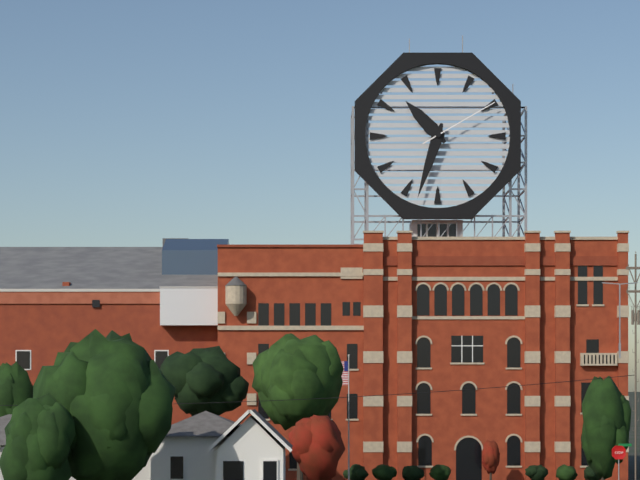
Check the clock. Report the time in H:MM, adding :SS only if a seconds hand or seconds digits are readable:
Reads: 10:33:10
